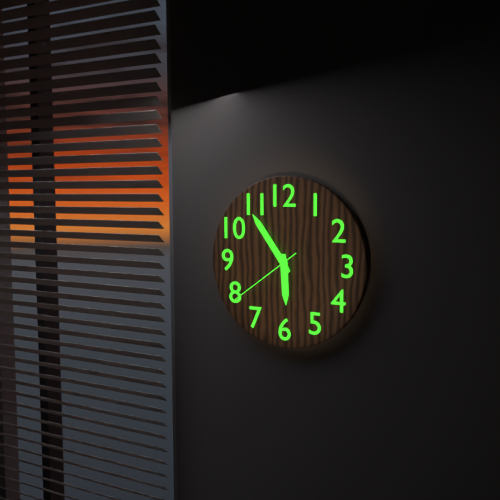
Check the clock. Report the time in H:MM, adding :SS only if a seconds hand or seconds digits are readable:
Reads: 5:54:39
